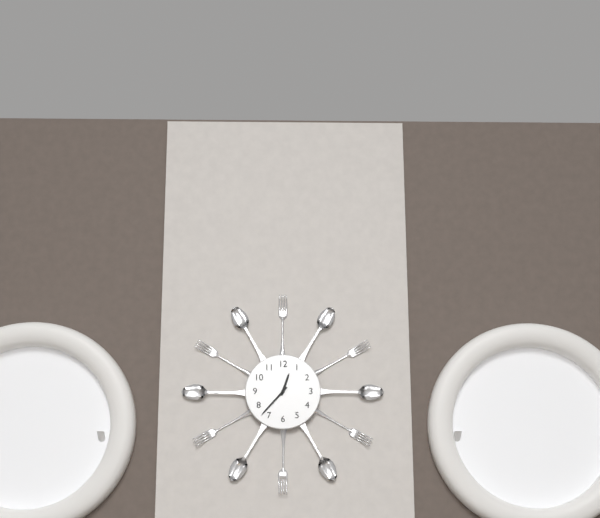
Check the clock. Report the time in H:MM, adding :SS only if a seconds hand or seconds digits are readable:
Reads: 12:37
